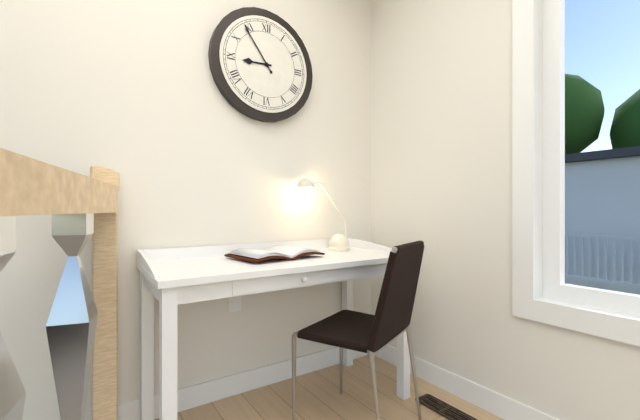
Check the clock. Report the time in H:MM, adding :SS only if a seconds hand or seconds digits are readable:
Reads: 8:54
